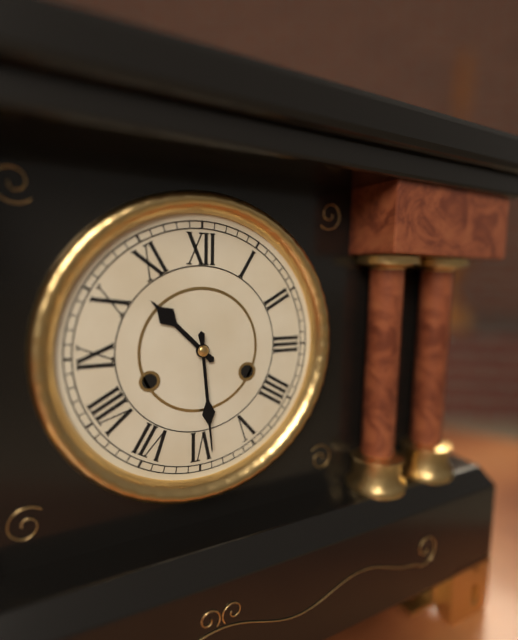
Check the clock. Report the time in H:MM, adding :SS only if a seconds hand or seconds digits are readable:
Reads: 10:29
